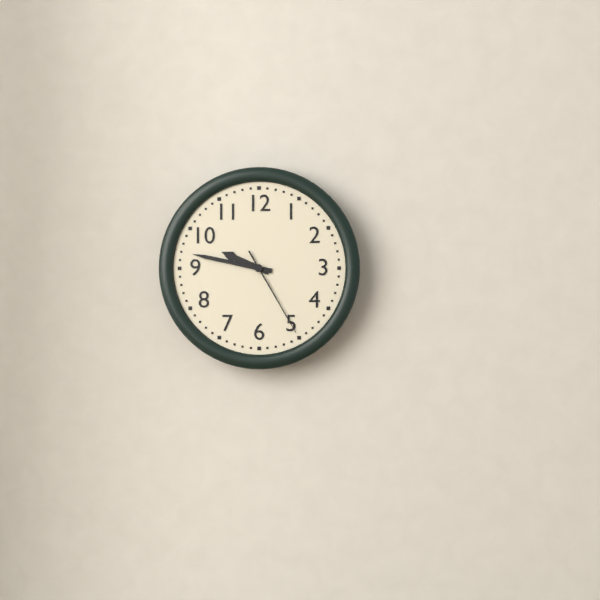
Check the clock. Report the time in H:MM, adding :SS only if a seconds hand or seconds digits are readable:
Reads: 9:47:25
